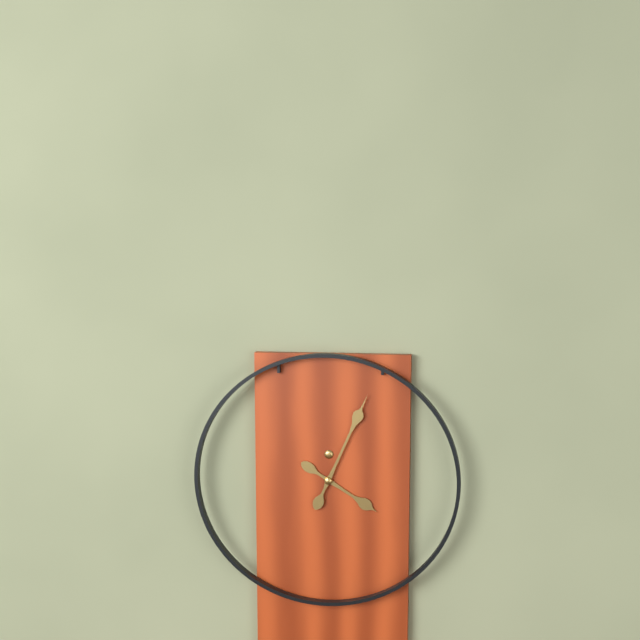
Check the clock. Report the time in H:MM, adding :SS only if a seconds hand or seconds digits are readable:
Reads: 4:04
